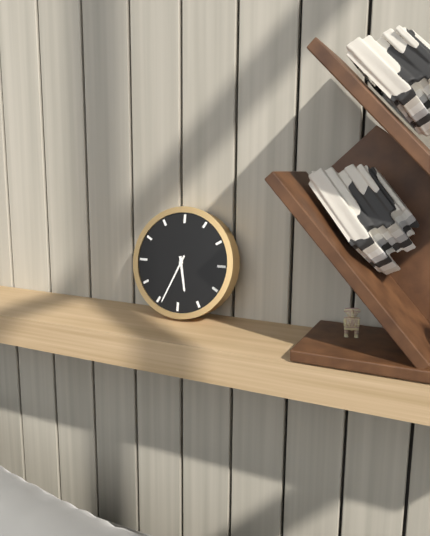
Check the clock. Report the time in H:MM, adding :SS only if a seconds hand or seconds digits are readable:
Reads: 5:34
